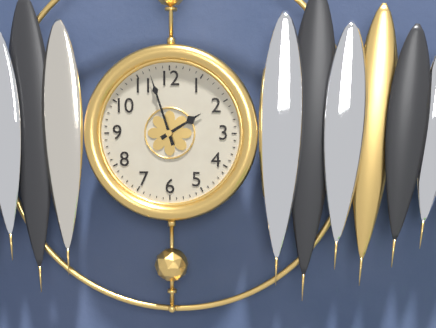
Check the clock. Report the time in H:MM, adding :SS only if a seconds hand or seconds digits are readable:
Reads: 1:57
